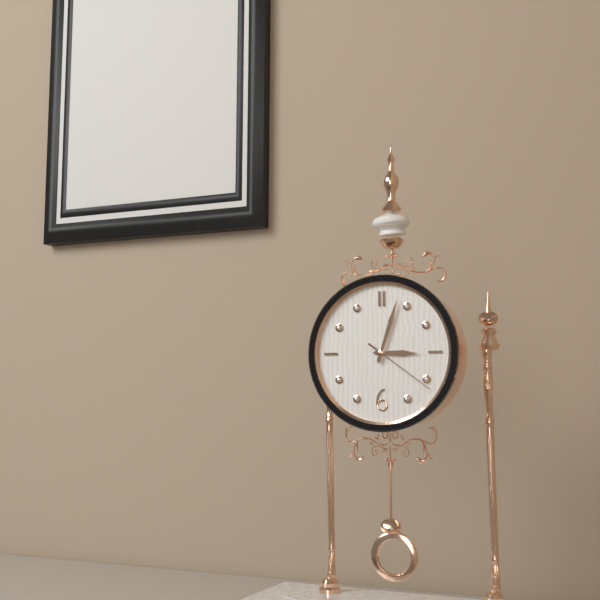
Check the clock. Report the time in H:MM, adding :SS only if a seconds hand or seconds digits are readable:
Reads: 3:03:21
